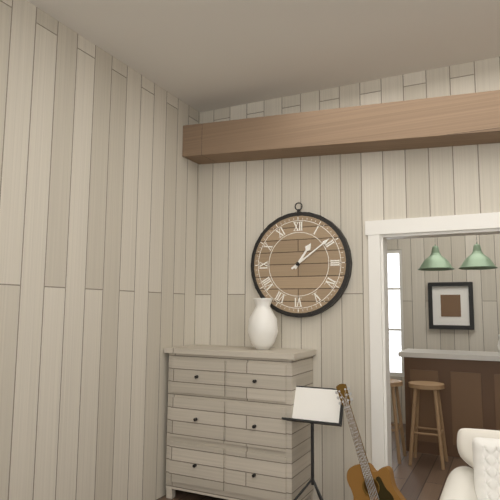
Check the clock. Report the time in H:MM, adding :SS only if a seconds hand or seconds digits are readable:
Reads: 1:09
